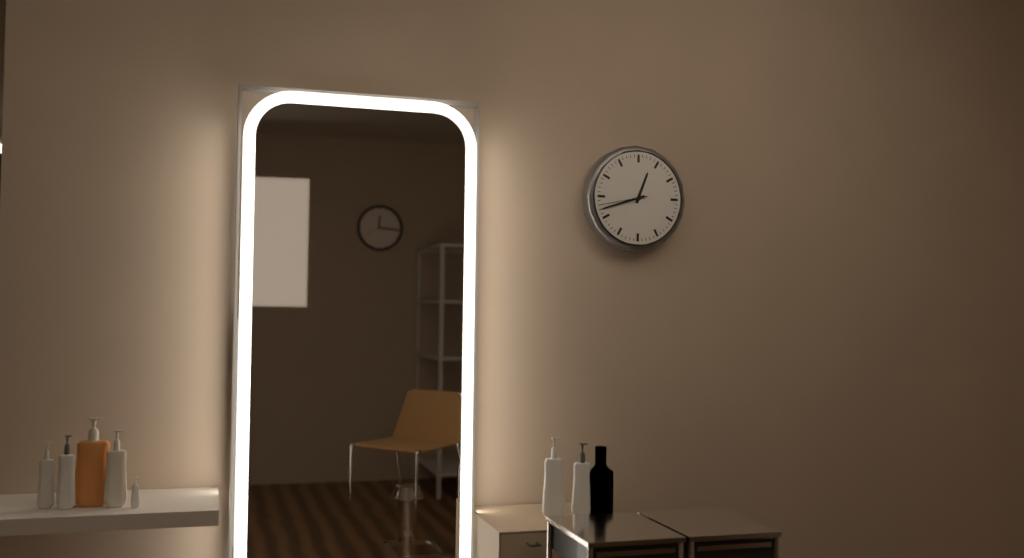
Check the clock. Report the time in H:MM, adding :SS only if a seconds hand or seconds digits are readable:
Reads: 12:42
